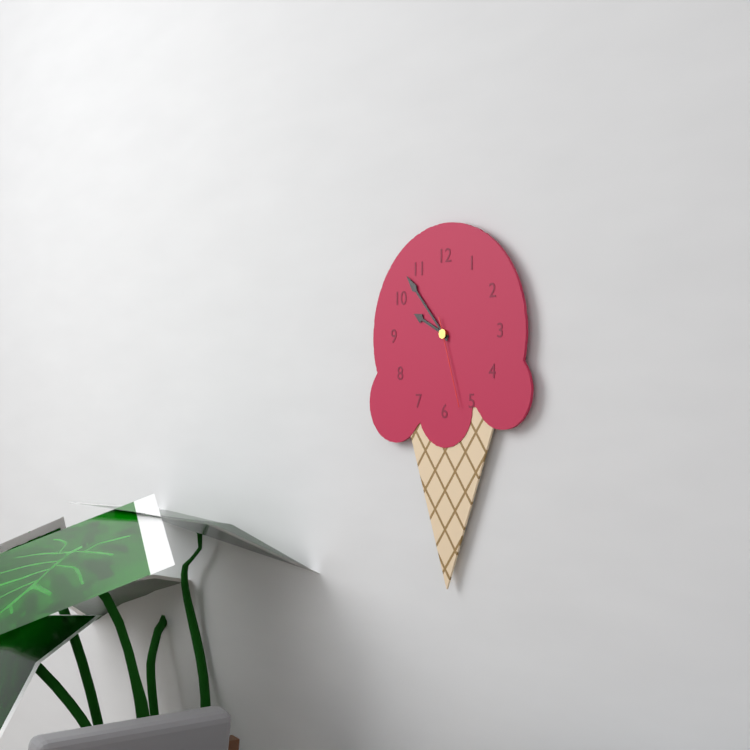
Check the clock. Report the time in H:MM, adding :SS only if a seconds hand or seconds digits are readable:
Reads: 9:53:27
